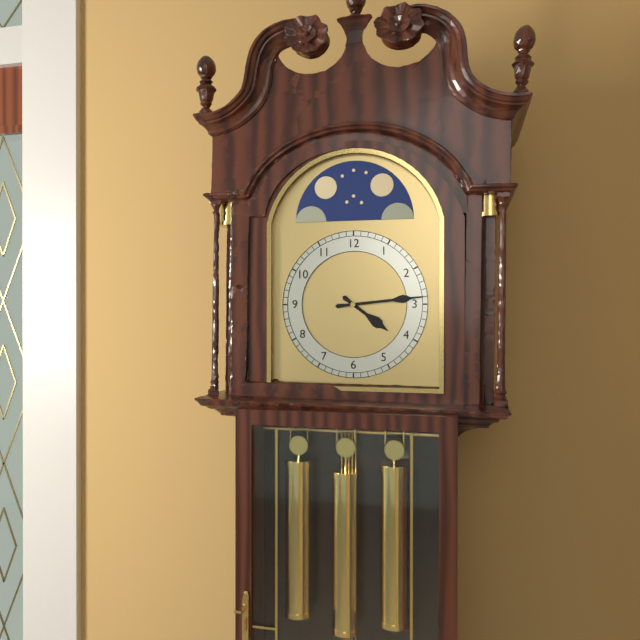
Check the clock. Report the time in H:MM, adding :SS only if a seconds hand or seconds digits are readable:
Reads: 4:14
